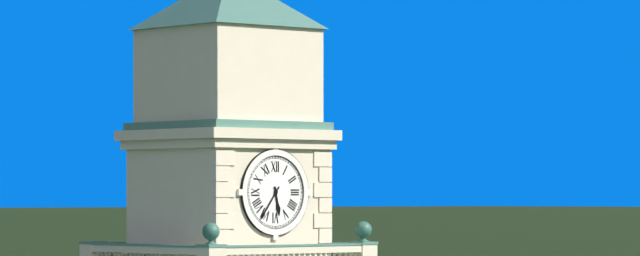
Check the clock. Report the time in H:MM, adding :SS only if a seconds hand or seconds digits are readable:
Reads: 5:36
